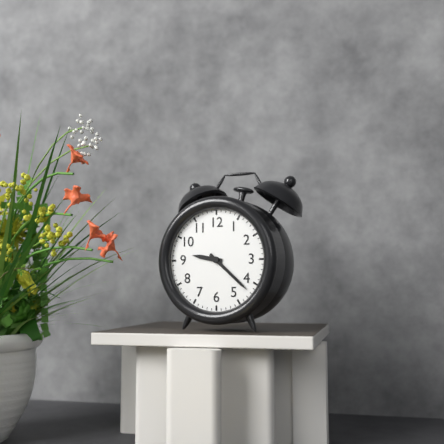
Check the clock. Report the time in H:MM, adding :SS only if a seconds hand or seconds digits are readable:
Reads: 9:22
